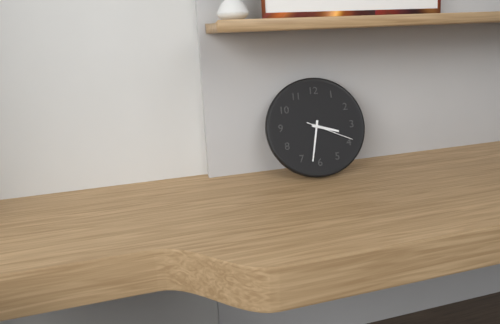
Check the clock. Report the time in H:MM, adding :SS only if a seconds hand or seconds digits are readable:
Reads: 3:32
